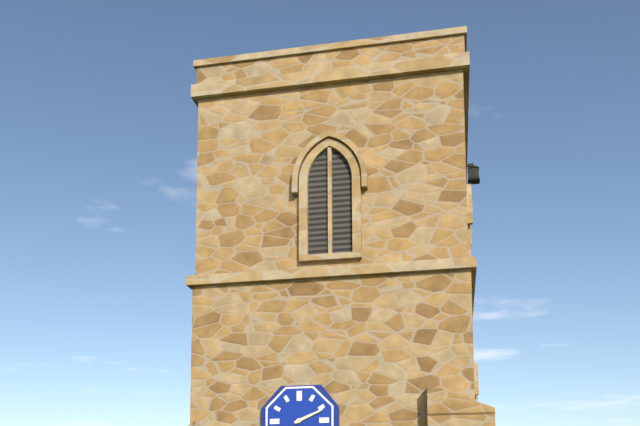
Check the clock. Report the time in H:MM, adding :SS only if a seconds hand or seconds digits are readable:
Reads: 2:11
